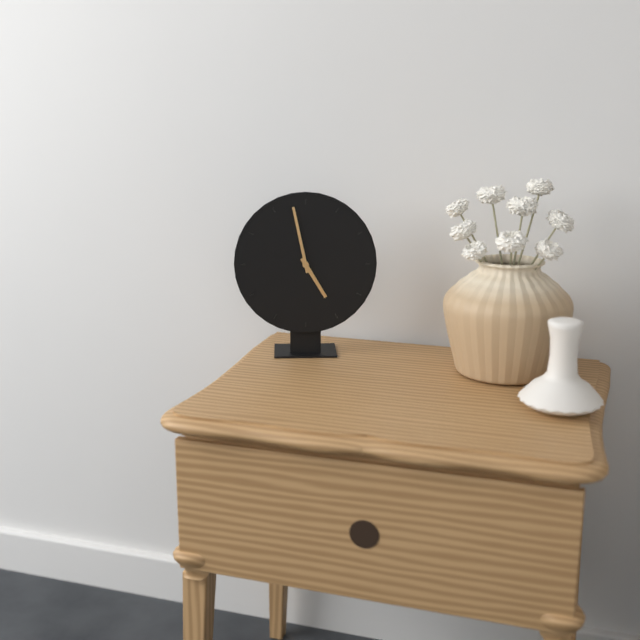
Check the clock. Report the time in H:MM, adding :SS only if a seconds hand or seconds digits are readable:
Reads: 4:58
